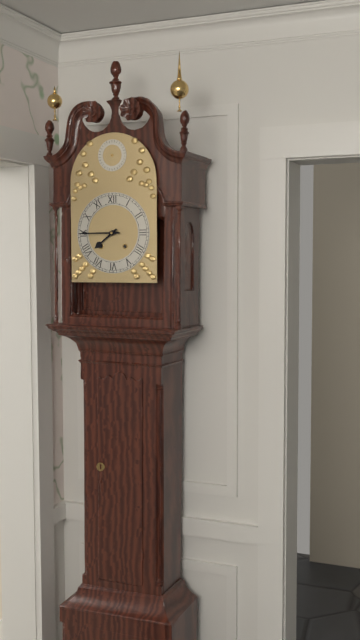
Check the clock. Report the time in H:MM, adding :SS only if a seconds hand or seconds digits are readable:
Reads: 7:45
